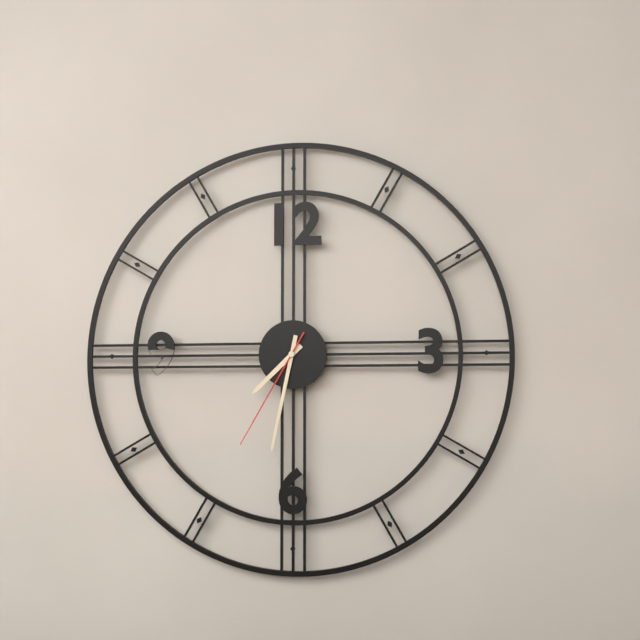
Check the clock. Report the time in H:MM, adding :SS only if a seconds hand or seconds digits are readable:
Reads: 7:32:35
